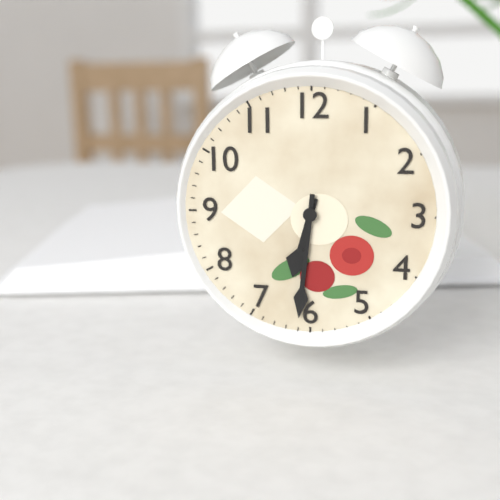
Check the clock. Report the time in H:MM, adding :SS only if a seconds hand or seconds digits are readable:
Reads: 6:31
